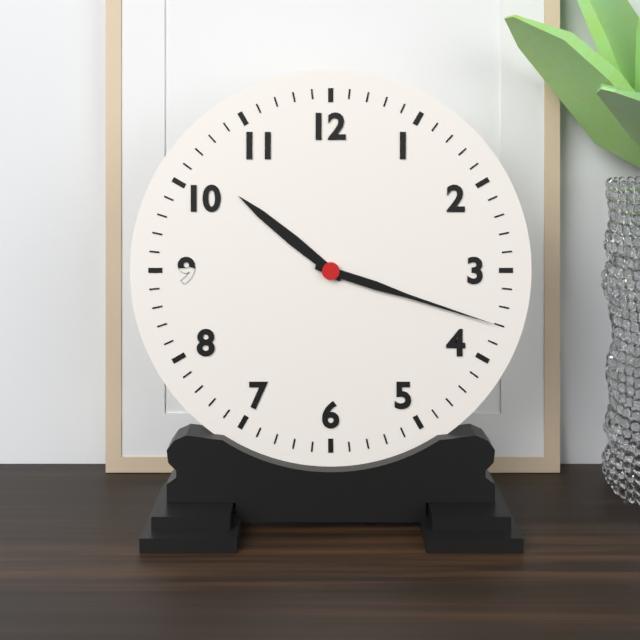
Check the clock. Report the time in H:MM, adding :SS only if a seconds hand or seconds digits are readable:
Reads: 10:18
